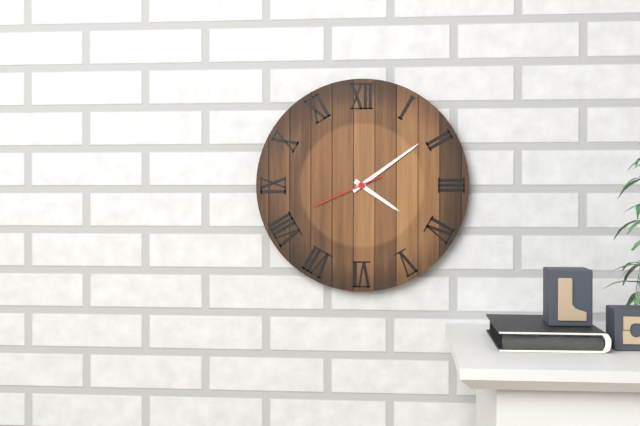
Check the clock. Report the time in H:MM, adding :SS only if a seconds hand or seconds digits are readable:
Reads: 4:09:41
